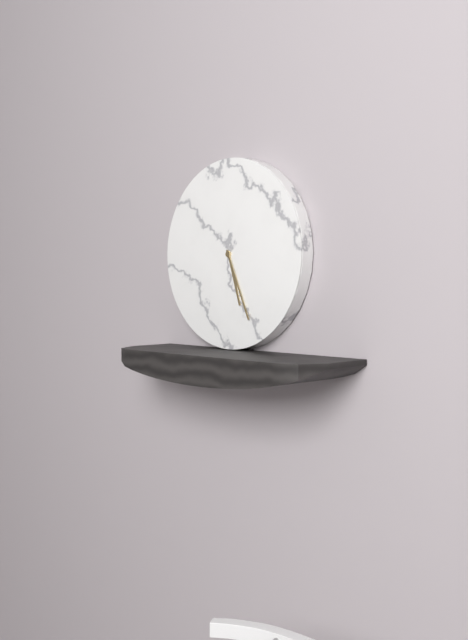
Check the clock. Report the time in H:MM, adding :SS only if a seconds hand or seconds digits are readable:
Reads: 5:26
